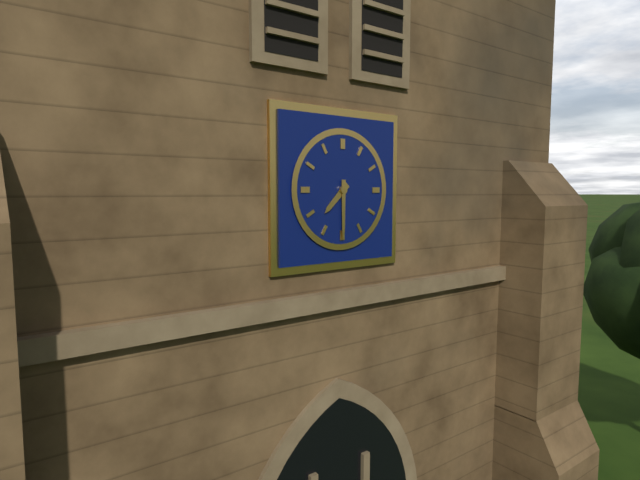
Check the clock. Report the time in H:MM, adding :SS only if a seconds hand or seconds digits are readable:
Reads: 7:30
